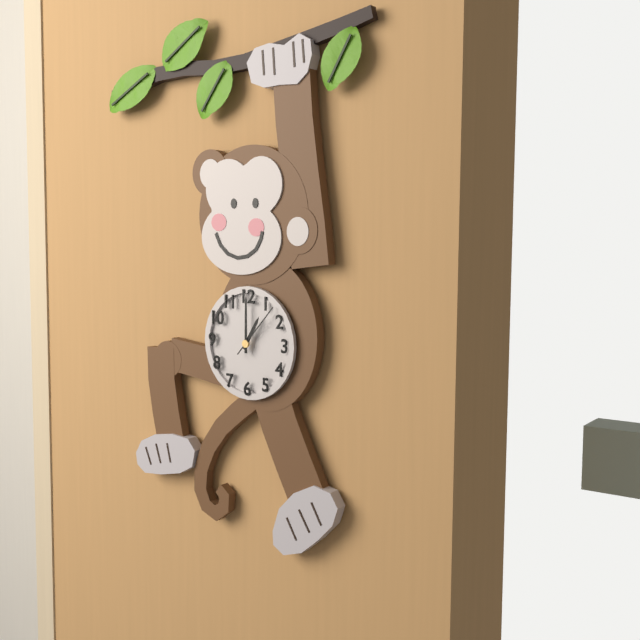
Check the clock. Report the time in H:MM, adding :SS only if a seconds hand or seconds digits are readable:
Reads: 1:00
